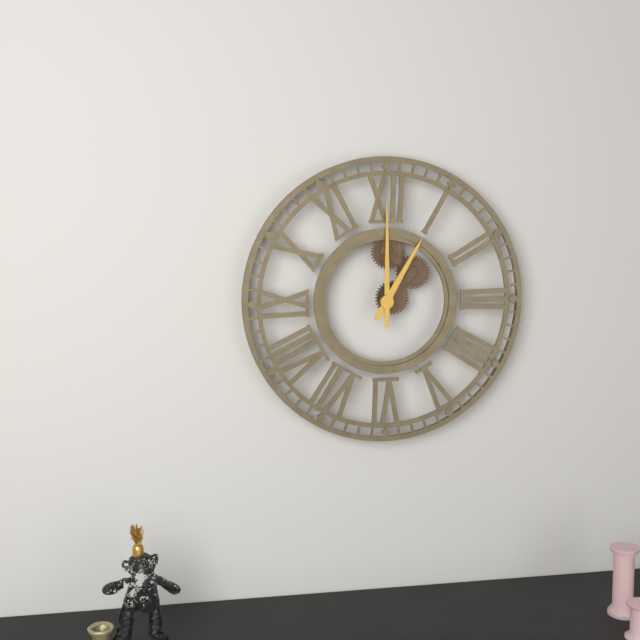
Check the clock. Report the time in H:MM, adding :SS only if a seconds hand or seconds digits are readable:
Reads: 1:00
